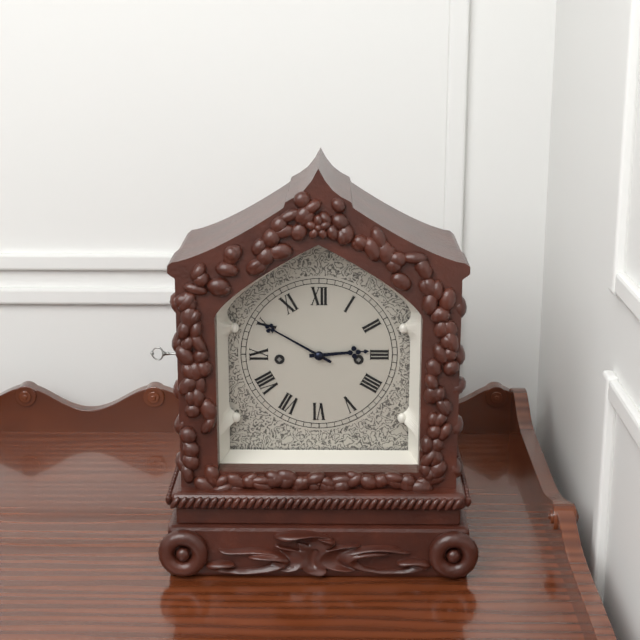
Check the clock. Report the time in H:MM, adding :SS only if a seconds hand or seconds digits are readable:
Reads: 2:50
